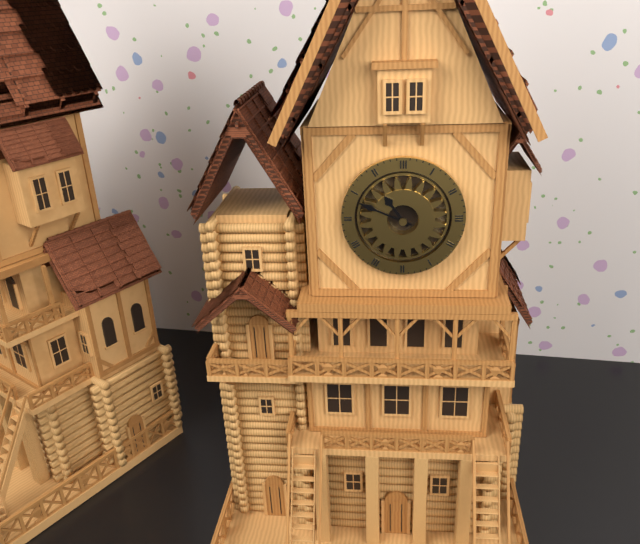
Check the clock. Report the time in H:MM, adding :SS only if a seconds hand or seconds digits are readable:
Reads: 10:49
